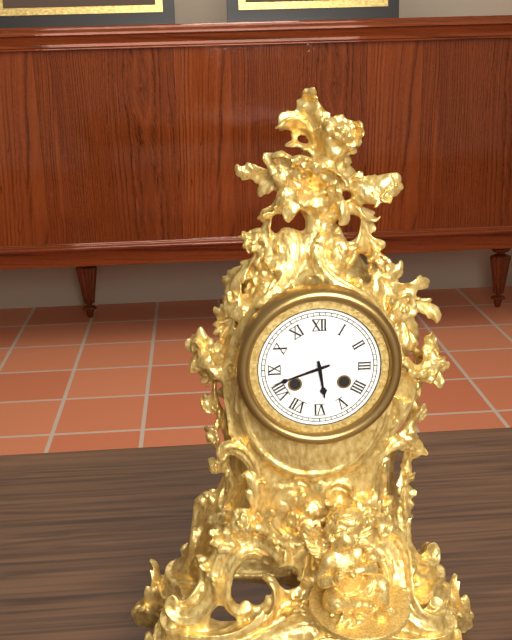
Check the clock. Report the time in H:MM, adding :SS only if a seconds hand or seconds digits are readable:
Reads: 5:42
